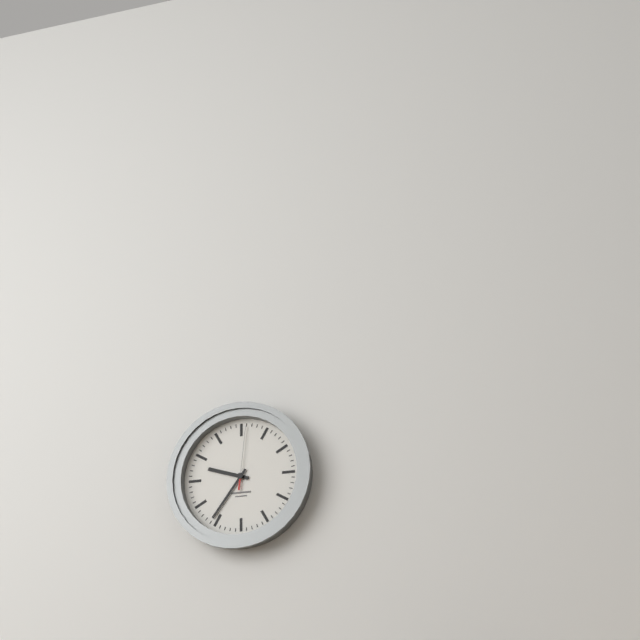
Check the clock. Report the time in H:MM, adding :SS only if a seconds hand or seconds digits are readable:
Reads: 9:36:01
